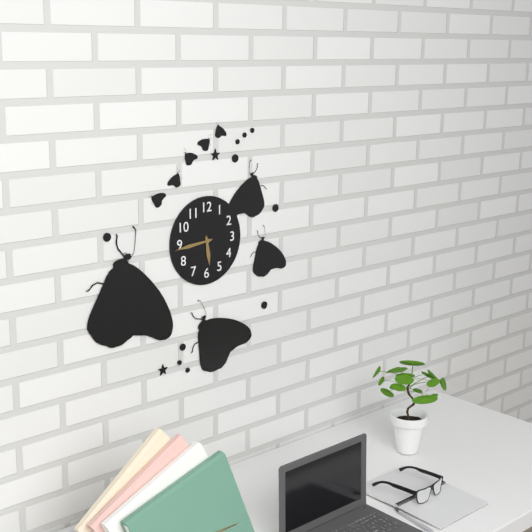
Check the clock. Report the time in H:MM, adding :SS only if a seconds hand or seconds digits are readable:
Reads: 5:44
